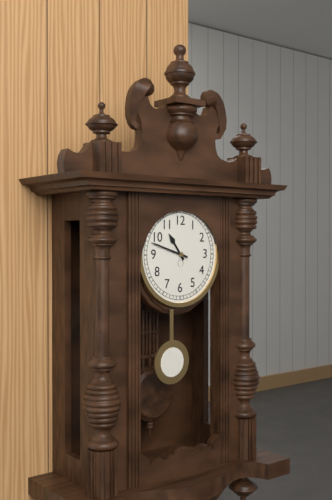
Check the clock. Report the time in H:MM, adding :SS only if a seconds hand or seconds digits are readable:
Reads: 10:48
